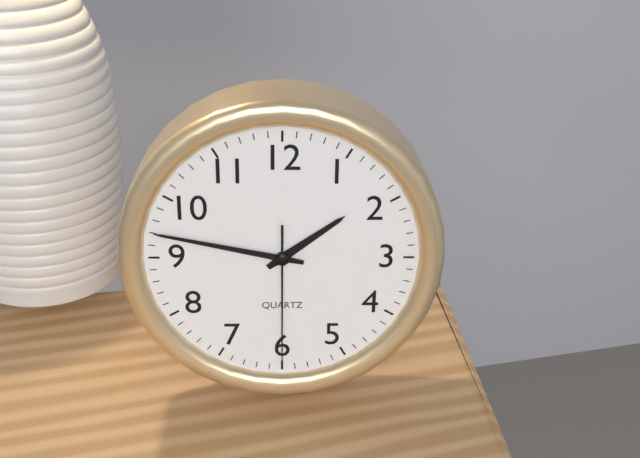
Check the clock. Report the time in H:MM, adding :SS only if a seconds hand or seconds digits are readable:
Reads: 1:47:30
